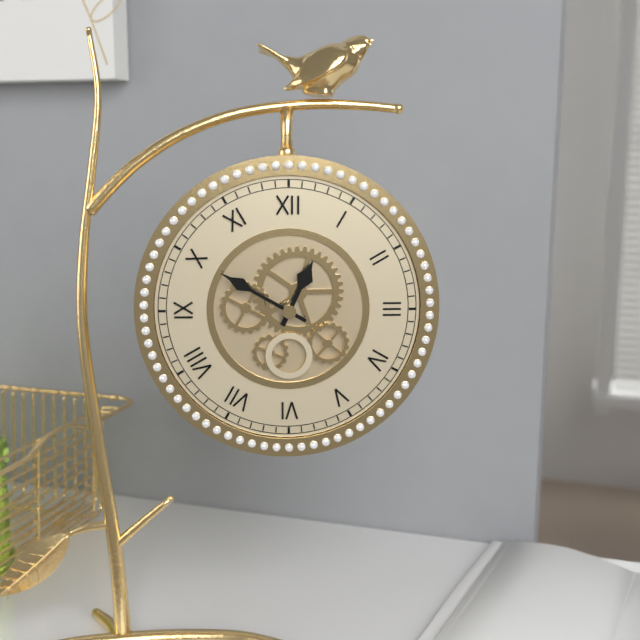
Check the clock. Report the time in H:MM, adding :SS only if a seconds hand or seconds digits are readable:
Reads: 12:50
